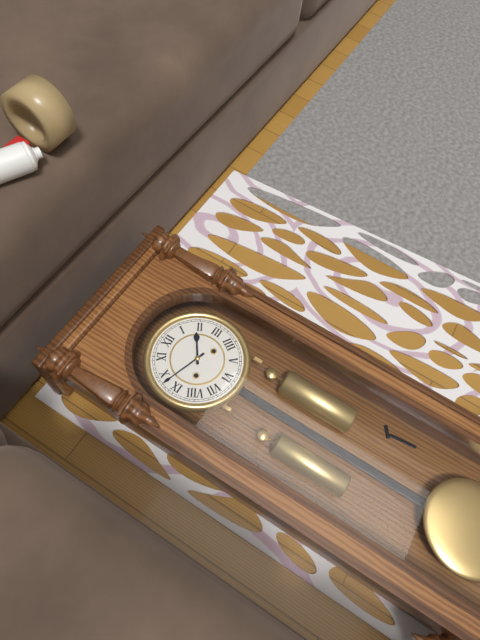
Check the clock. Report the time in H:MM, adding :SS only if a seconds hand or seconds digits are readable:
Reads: 1:48
